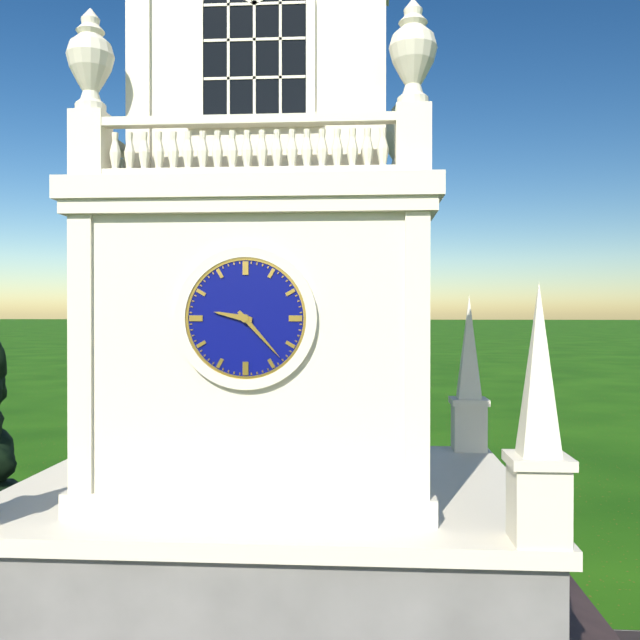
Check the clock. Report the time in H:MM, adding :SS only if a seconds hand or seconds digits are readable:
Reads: 9:23
